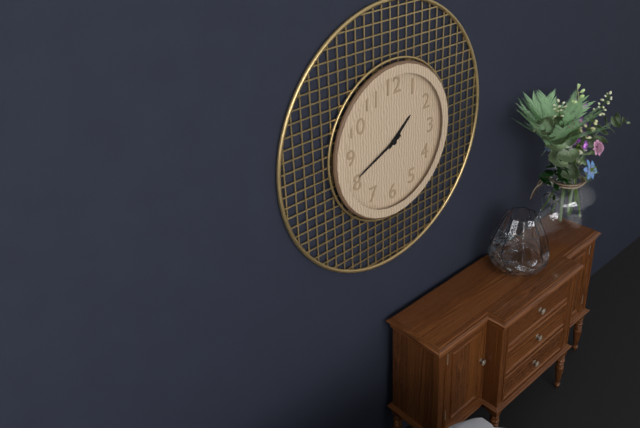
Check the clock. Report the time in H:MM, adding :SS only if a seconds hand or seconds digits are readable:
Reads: 1:41
